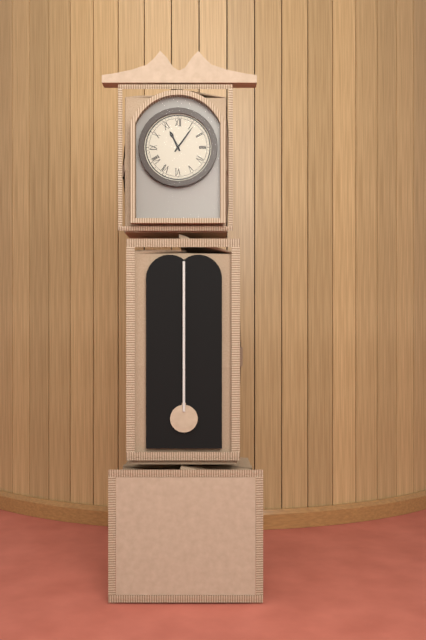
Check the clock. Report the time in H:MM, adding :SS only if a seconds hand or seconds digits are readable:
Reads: 11:06
